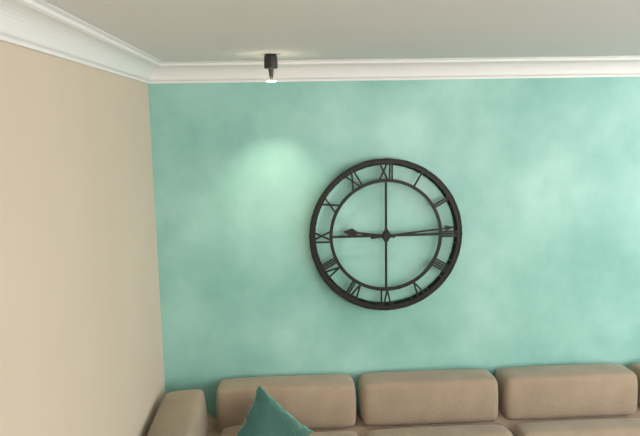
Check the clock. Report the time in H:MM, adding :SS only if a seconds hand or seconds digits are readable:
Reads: 9:14
